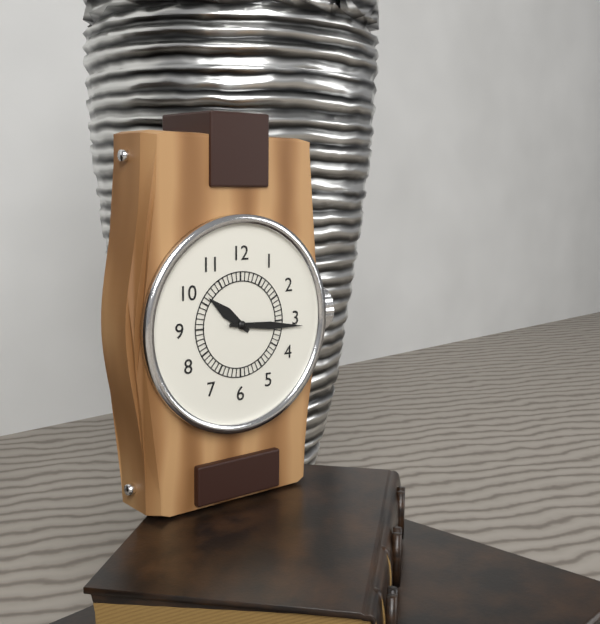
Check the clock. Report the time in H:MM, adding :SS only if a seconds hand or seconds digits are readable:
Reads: 10:16
